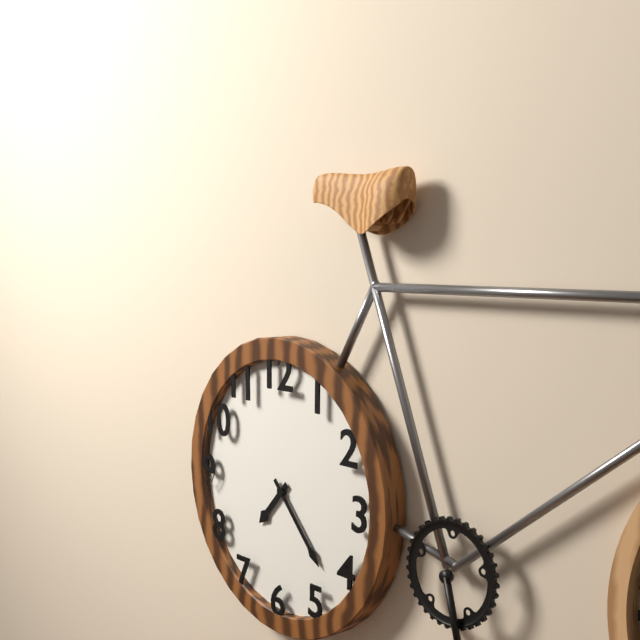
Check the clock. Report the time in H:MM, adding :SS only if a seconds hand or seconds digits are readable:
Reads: 7:23
